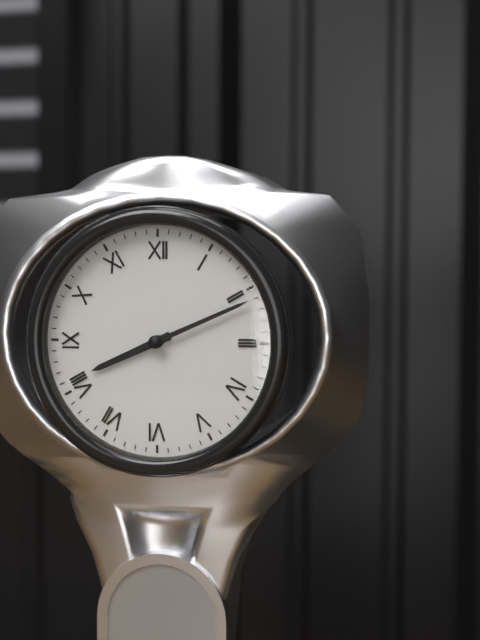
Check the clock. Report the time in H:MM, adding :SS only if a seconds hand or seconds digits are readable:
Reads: 8:11
